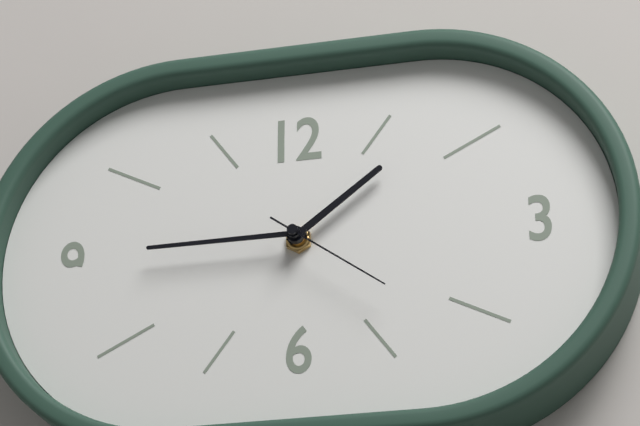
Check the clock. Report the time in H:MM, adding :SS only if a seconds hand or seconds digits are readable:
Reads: 1:45:21
